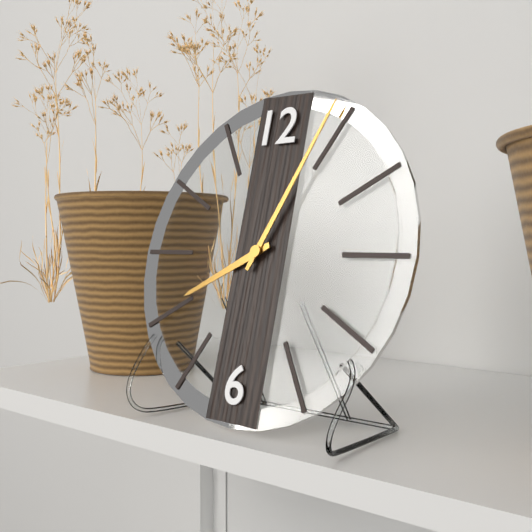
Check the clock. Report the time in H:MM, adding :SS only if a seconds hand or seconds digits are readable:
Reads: 8:04
